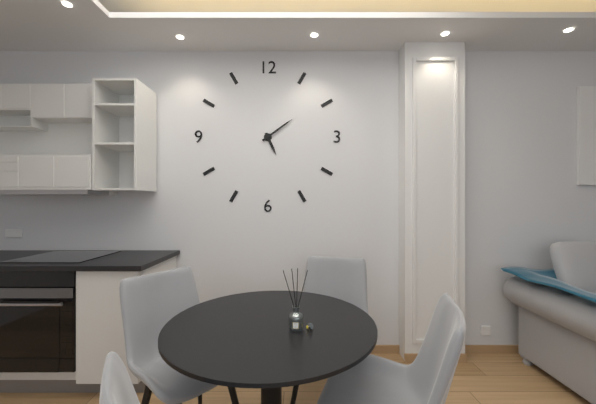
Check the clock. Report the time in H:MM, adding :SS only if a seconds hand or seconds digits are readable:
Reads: 5:09
